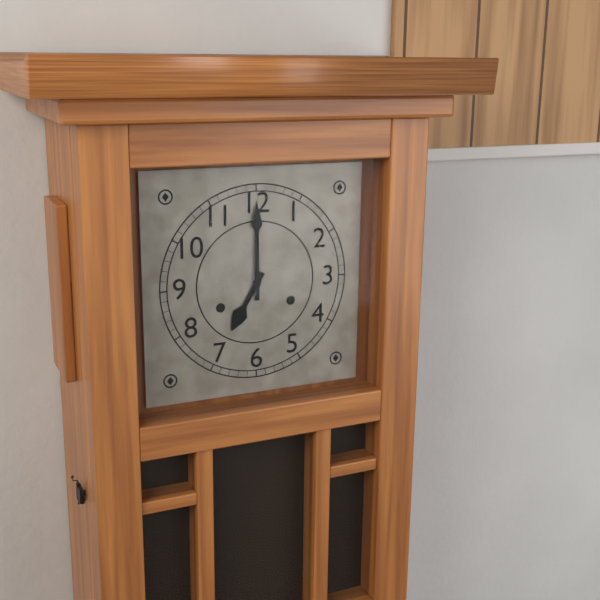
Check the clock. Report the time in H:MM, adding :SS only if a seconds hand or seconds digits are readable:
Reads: 7:00
